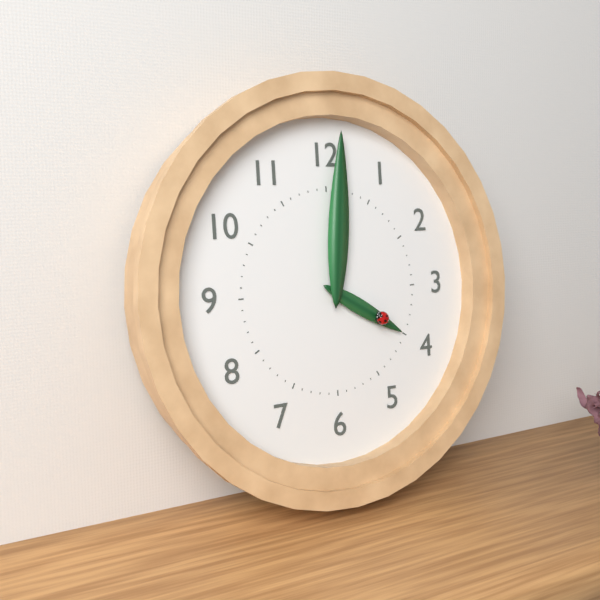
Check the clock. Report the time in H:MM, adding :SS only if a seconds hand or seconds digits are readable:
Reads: 4:01
